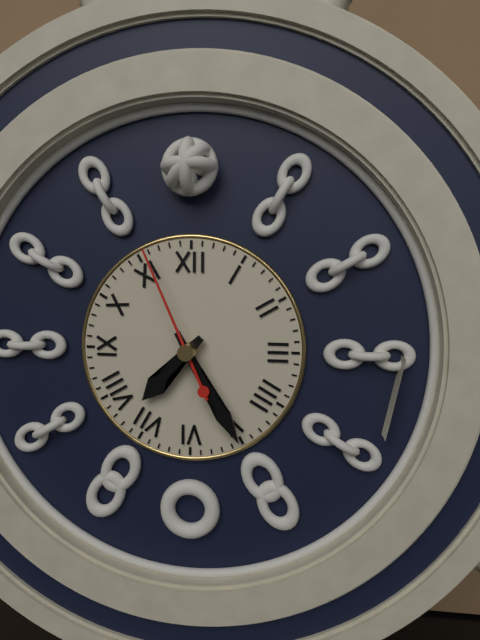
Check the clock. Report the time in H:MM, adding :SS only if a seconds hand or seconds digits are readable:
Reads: 7:25:56
